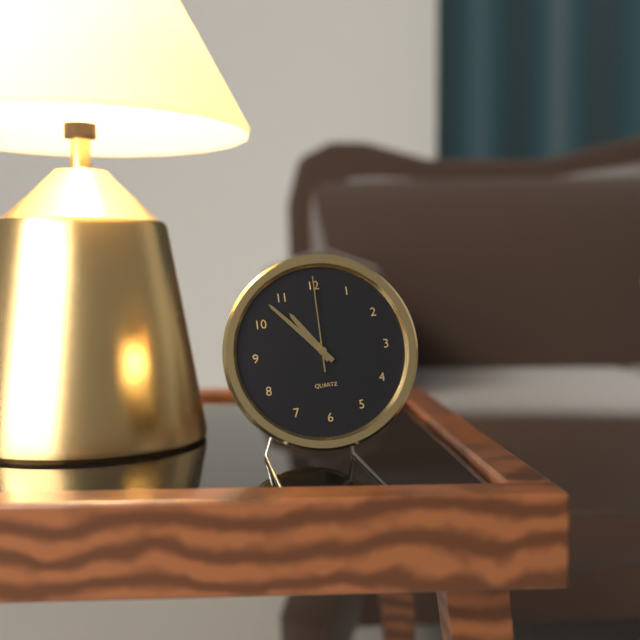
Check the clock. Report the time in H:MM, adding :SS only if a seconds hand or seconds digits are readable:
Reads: 10:53:00
